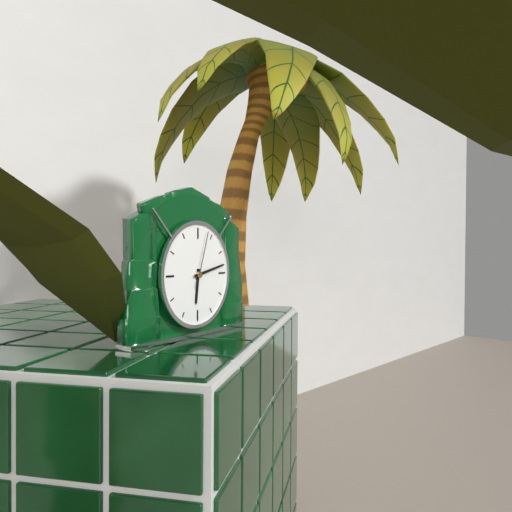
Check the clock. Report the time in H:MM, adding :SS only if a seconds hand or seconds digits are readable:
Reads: 6:13:03
